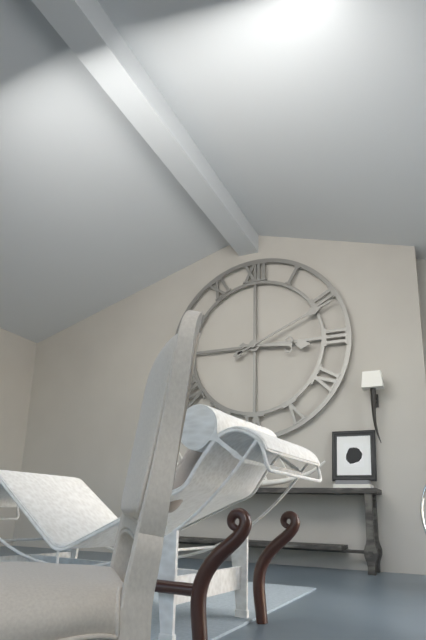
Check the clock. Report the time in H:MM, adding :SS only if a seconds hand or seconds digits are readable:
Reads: 3:11
